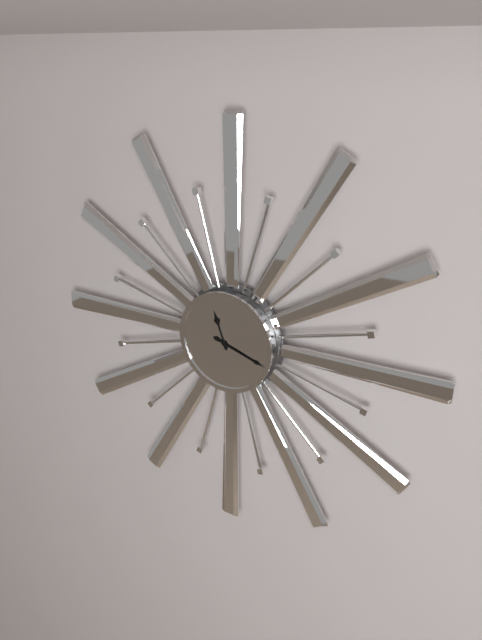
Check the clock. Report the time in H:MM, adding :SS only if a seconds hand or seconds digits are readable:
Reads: 11:18
